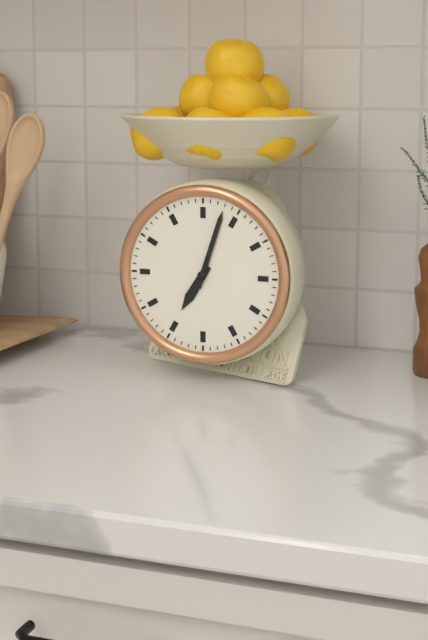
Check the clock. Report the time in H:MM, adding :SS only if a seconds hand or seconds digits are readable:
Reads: 7:03
